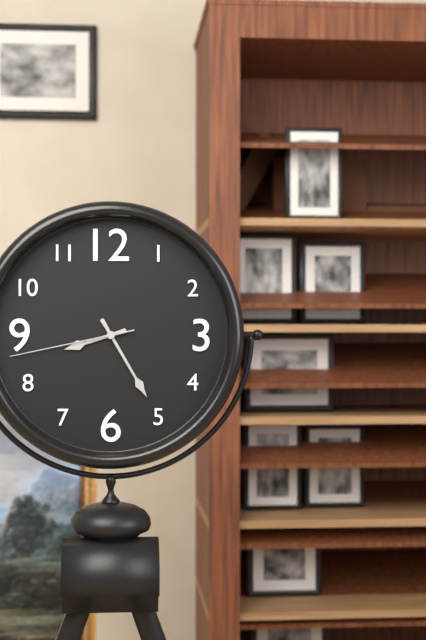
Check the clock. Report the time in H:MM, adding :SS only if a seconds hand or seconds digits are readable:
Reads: 8:25:43
